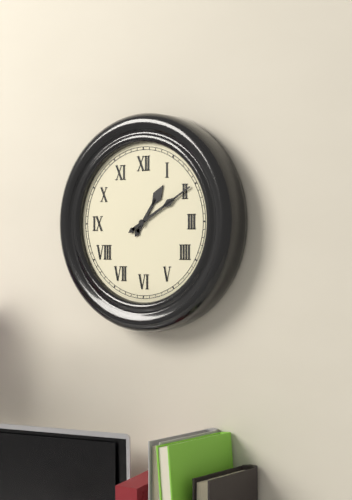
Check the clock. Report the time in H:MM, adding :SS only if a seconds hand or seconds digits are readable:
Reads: 1:10
